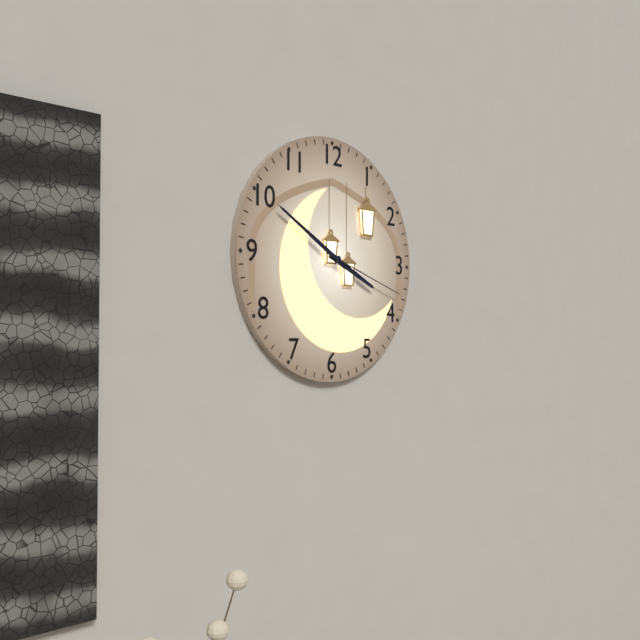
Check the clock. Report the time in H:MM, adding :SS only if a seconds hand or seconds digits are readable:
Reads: 3:50:18
